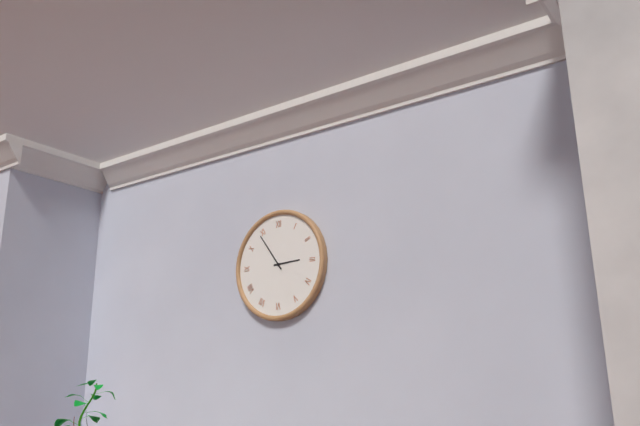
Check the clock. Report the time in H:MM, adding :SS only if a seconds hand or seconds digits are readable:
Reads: 2:54
